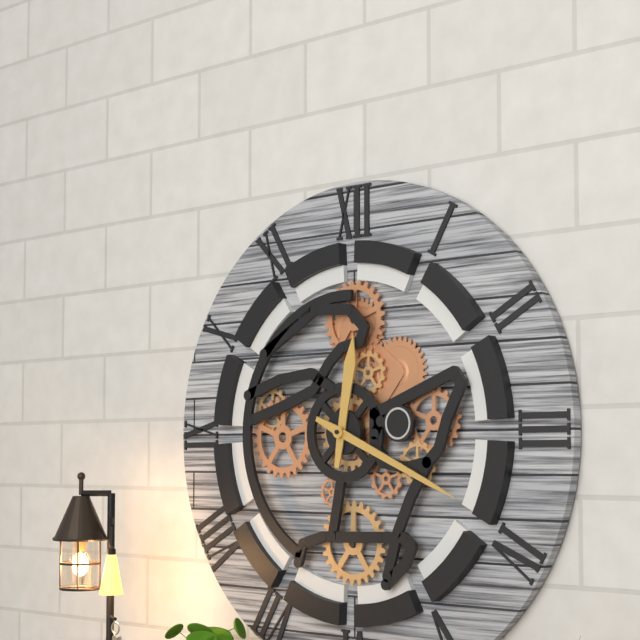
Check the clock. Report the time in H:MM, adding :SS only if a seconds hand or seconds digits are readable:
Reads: 12:19
